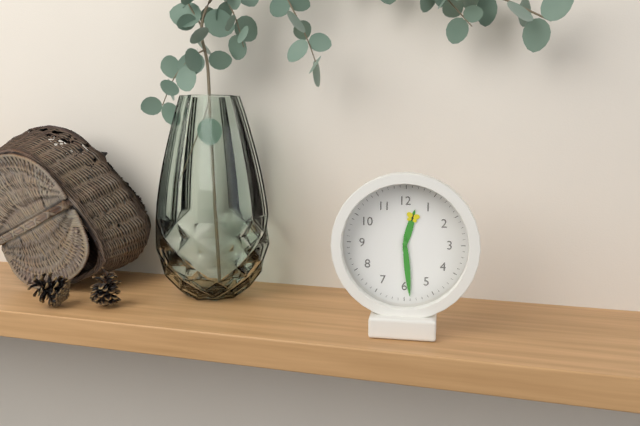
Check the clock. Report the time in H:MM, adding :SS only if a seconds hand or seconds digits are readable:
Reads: 12:29
